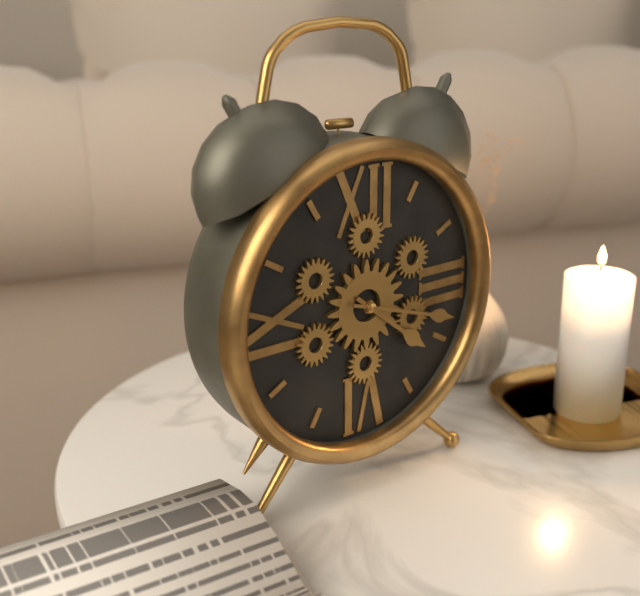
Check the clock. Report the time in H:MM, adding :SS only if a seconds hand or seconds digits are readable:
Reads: 4:18
